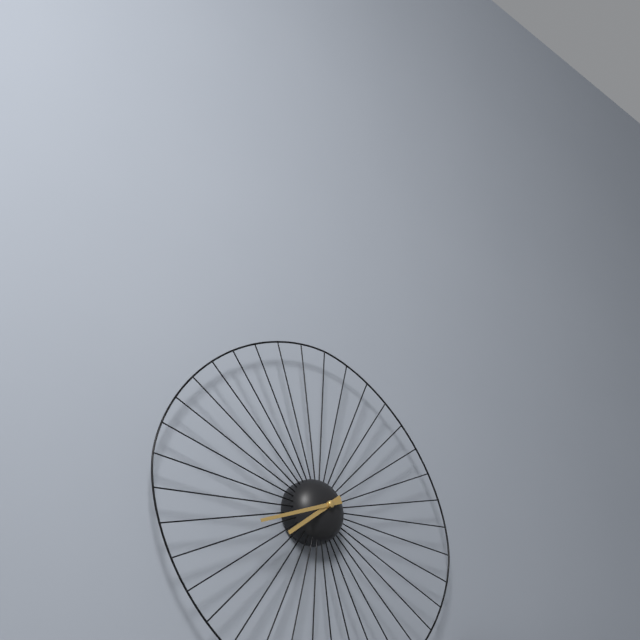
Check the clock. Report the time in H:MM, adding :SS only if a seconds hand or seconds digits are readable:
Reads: 7:41
